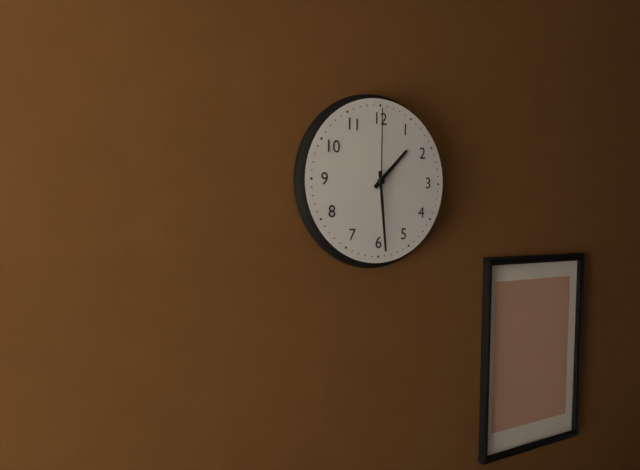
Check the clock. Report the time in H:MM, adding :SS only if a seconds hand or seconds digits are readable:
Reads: 1:29:00
